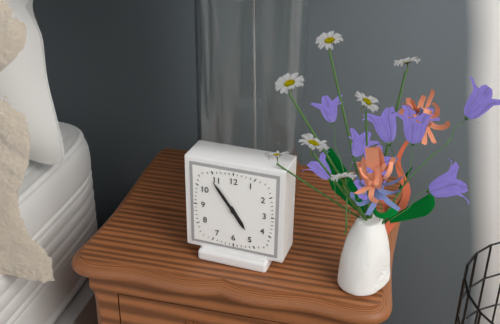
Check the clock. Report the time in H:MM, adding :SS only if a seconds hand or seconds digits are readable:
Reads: 4:54
